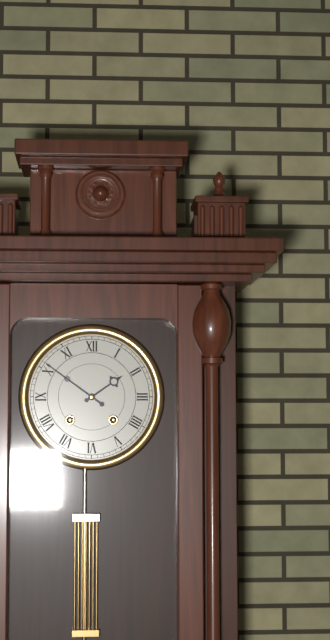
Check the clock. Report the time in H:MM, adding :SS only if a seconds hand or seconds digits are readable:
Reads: 1:51
